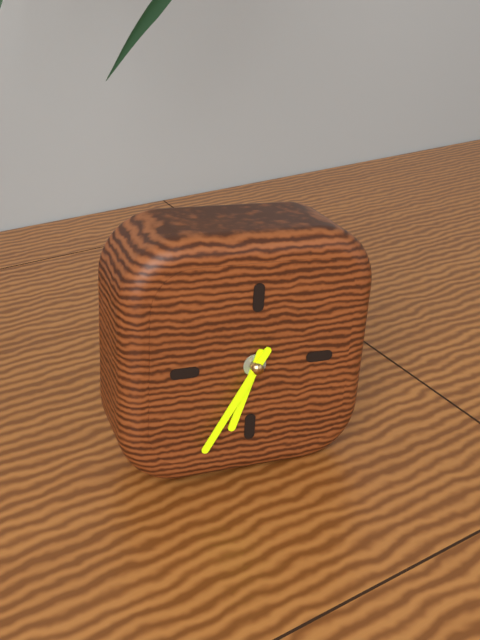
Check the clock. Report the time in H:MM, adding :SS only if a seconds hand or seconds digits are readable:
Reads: 6:35
